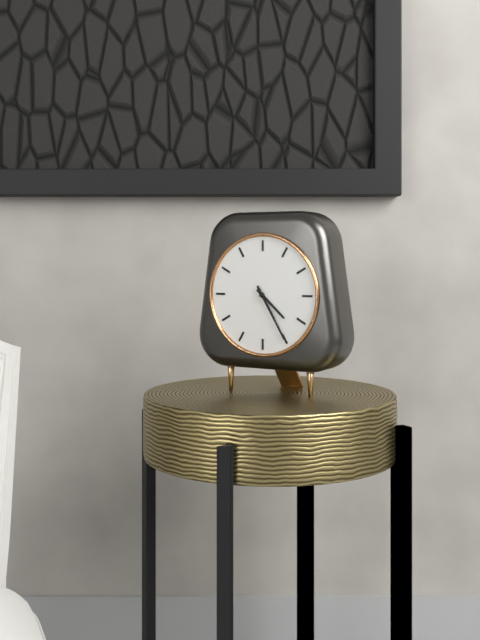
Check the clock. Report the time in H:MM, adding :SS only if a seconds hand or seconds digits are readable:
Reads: 4:25
